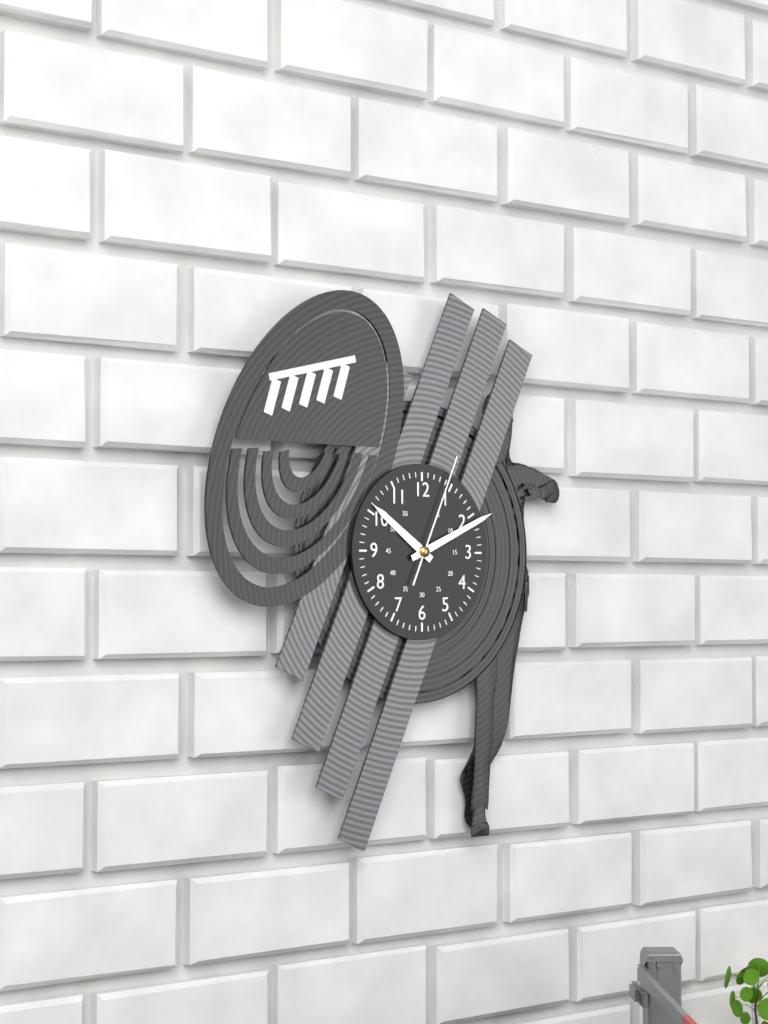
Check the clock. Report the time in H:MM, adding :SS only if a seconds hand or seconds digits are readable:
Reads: 10:11:04
